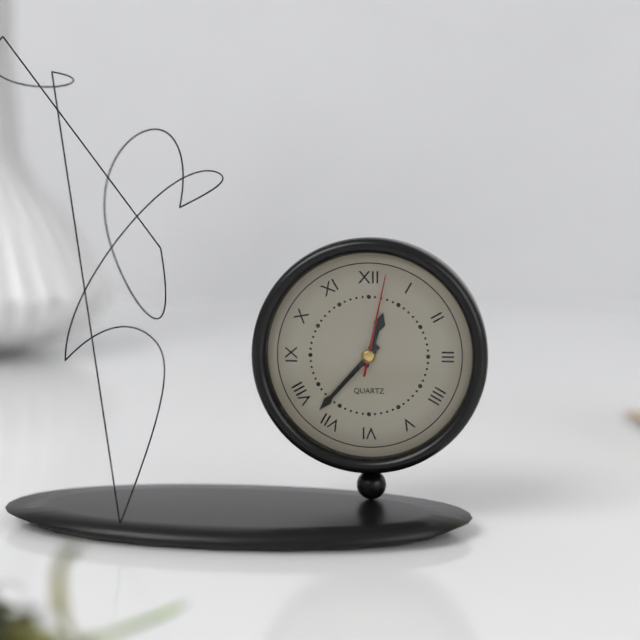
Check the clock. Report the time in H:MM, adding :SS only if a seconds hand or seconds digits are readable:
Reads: 12:37:02
